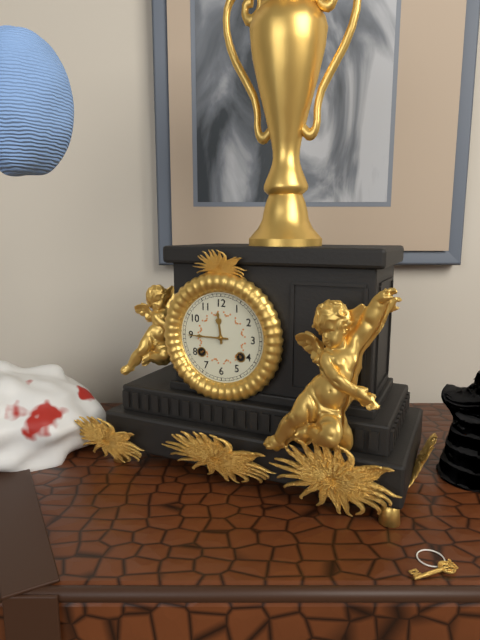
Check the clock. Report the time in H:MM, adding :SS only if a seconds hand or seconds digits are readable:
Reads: 11:45
